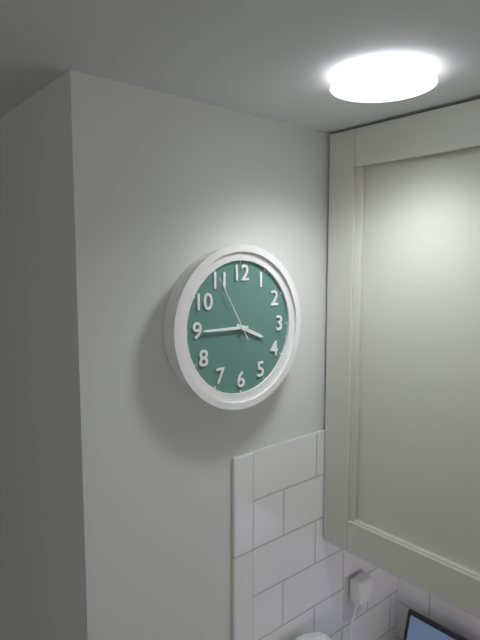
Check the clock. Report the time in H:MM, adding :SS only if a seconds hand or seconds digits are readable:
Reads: 3:45:55
